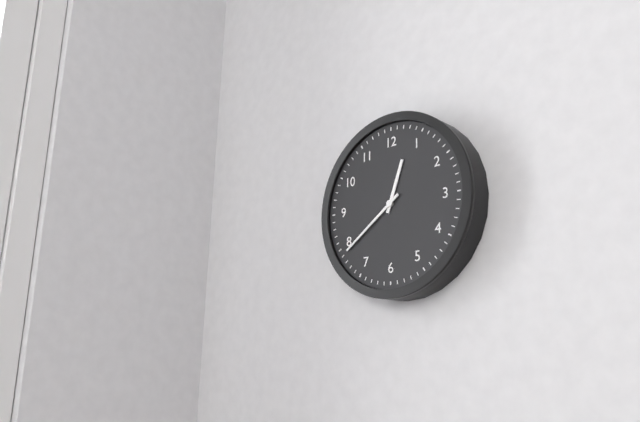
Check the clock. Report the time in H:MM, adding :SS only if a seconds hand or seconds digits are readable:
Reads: 12:39
